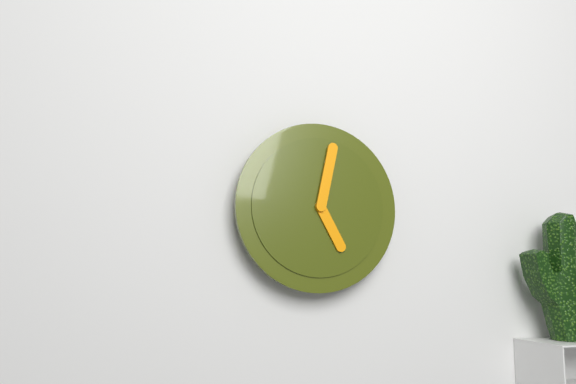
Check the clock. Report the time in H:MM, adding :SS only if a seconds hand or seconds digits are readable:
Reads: 5:02
